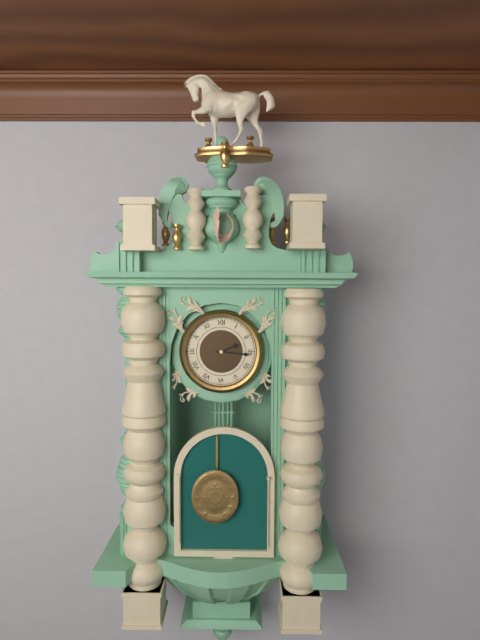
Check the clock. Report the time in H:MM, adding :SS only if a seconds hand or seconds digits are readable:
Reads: 2:16
